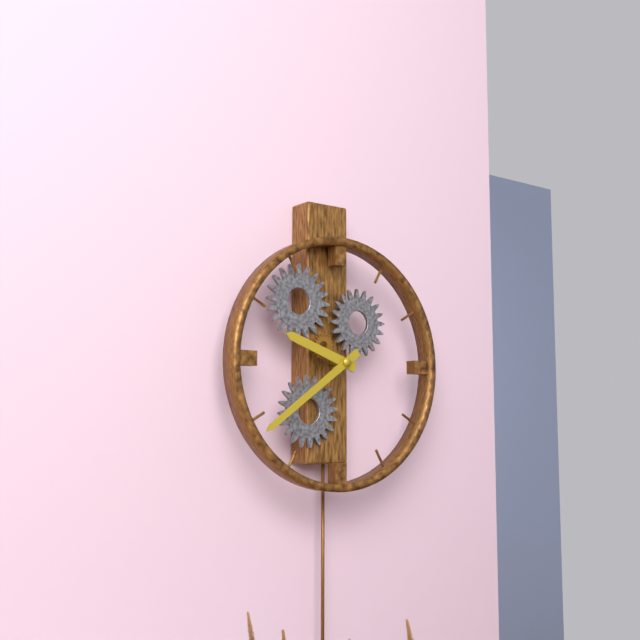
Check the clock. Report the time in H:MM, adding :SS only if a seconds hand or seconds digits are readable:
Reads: 9:39
